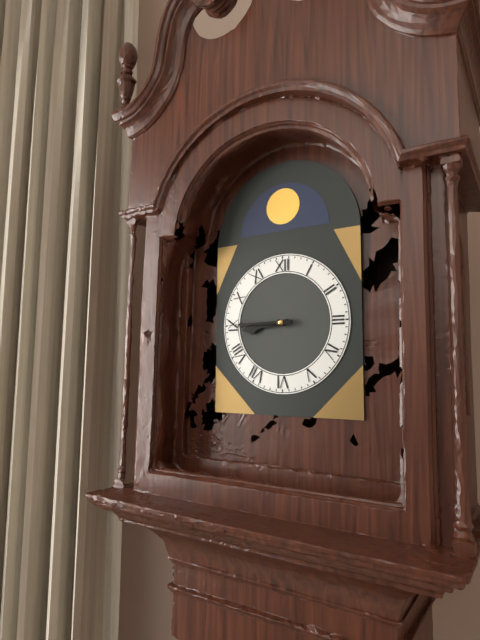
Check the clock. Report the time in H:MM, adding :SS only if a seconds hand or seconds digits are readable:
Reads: 8:45
